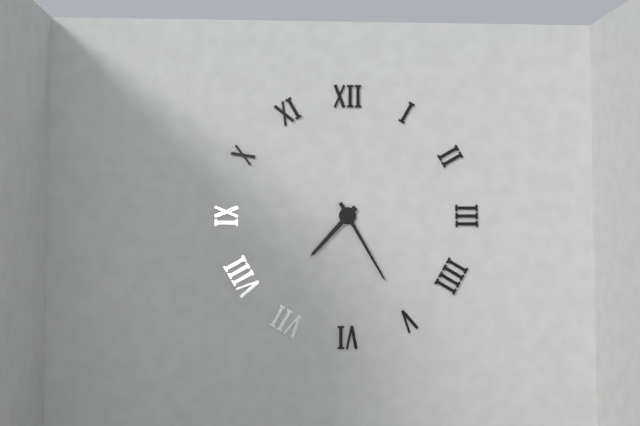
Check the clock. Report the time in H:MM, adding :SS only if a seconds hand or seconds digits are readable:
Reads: 7:25
